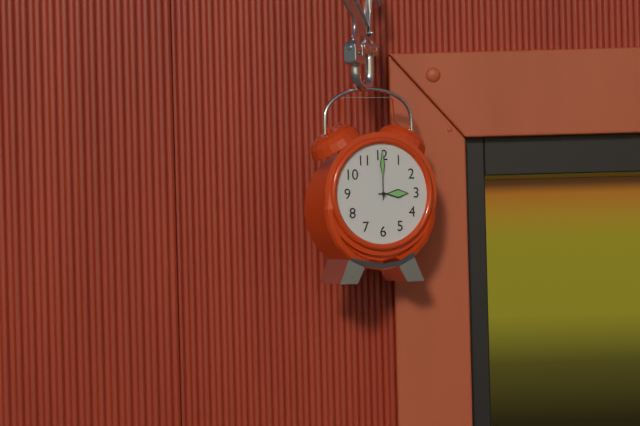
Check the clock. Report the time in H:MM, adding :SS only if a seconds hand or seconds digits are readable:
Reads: 3:00
